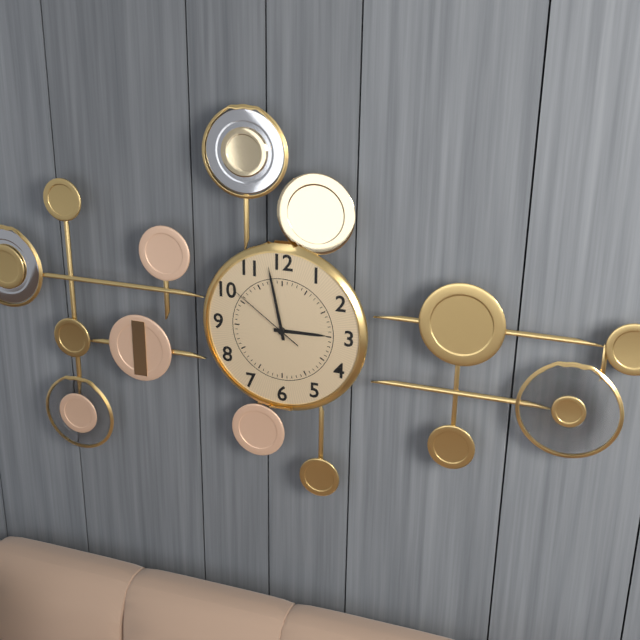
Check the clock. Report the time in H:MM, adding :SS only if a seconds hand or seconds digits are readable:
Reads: 2:58:51
